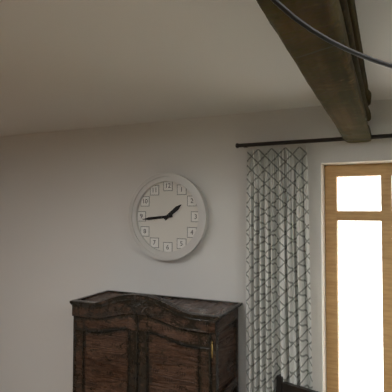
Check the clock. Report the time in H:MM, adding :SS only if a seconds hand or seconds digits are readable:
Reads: 1:44
